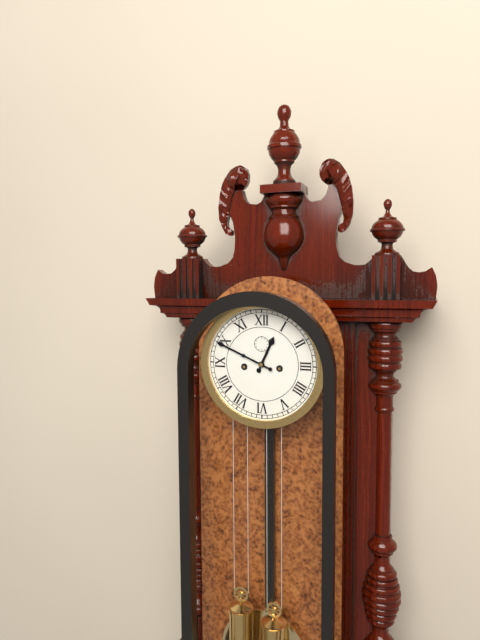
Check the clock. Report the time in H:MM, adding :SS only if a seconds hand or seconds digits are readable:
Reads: 12:49
